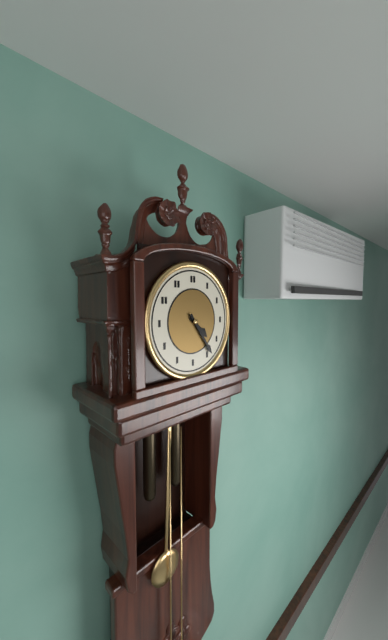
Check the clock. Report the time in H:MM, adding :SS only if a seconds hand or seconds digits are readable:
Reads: 4:24
